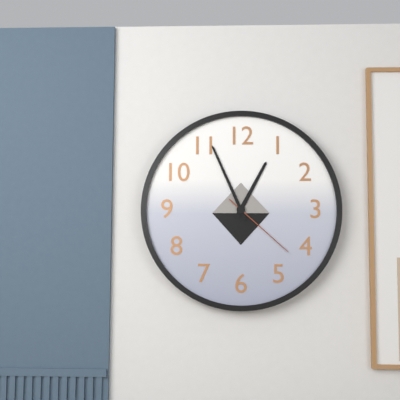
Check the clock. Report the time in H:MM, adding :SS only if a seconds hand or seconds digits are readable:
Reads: 12:56:22
